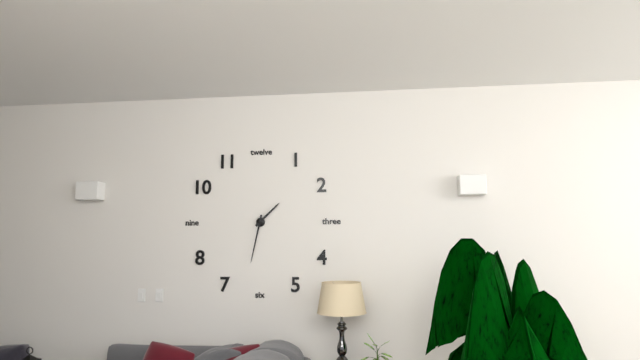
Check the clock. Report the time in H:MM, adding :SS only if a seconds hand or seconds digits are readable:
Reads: 1:32
